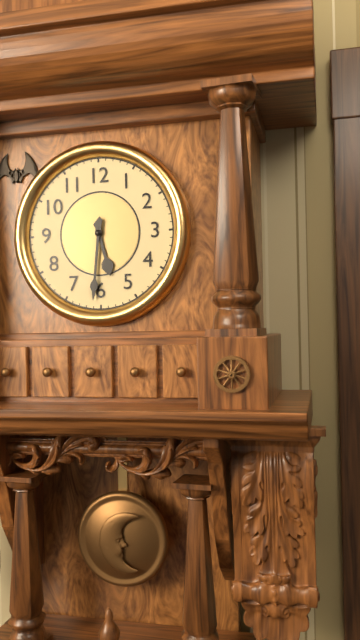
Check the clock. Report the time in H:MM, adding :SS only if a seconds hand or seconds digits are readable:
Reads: 5:31
